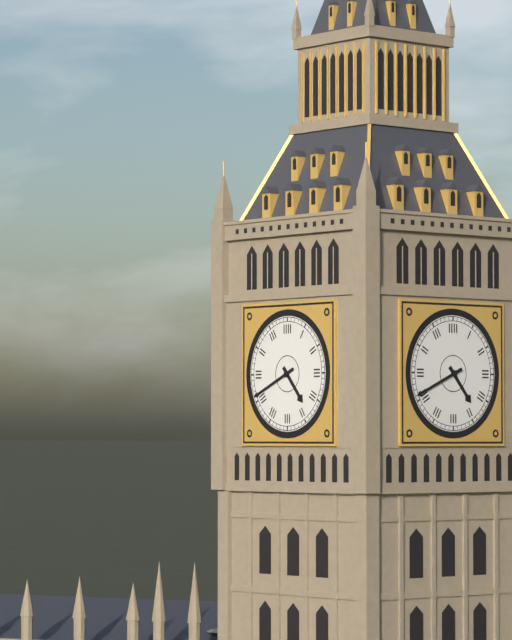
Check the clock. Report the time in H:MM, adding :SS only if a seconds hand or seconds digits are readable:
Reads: 4:41
